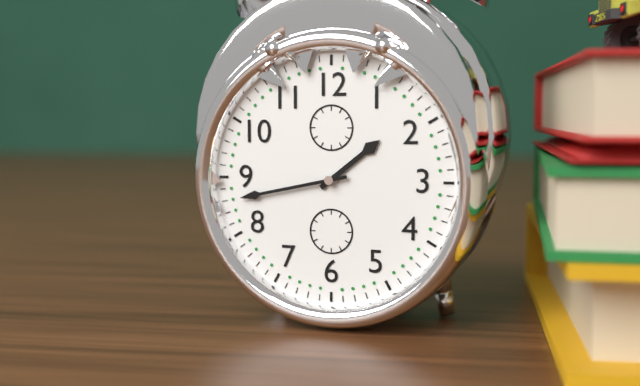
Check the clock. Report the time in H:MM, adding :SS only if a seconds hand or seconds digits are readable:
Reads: 1:43
